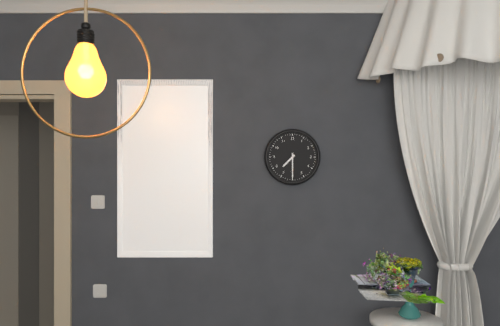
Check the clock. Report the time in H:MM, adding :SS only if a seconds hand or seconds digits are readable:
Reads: 7:30
